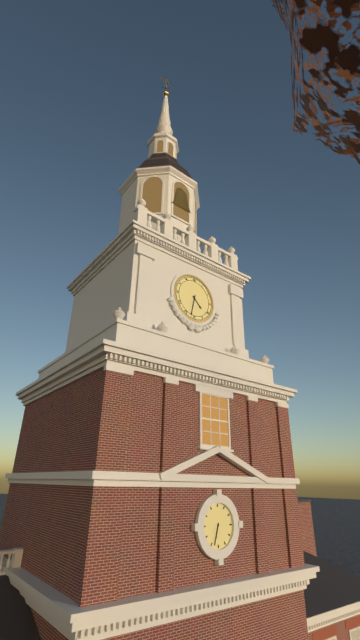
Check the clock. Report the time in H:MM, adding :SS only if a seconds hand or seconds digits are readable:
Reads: 4:32
